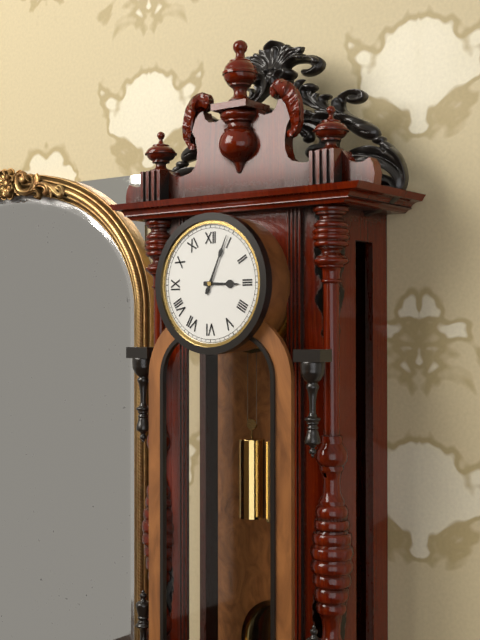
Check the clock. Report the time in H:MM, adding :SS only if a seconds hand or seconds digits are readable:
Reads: 3:04
